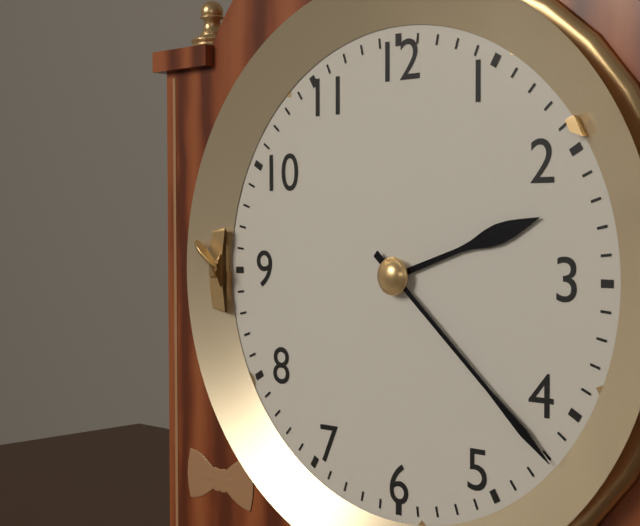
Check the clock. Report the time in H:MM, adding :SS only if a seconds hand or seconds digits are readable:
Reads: 2:22
